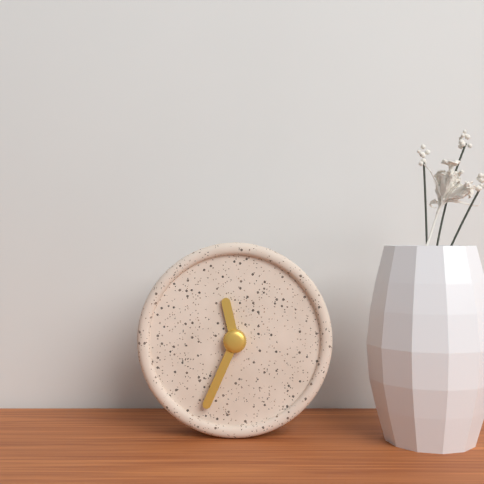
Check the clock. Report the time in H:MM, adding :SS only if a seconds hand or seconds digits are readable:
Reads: 11:34
